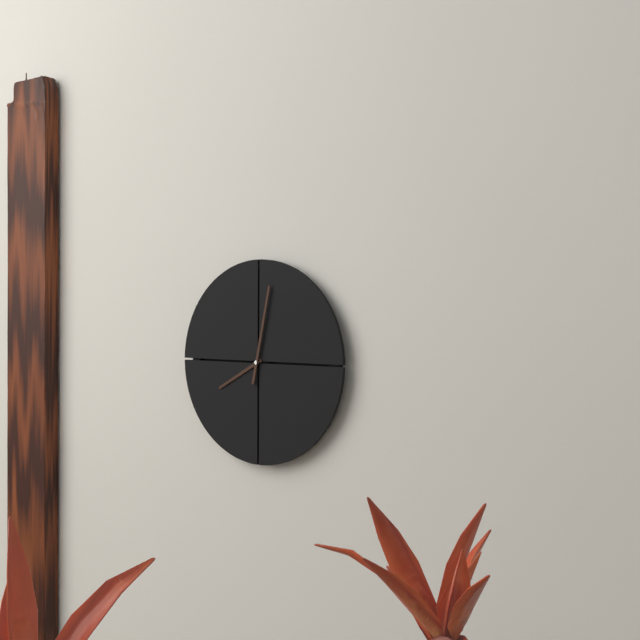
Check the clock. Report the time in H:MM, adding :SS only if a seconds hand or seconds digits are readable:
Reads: 8:02
